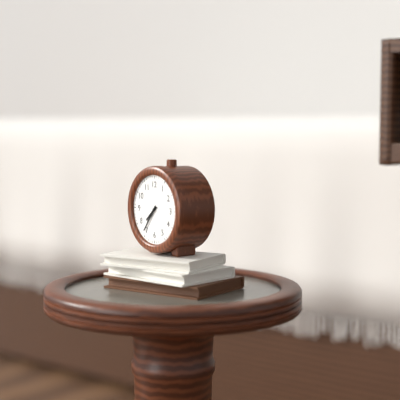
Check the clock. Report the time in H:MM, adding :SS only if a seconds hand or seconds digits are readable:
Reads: 7:36
